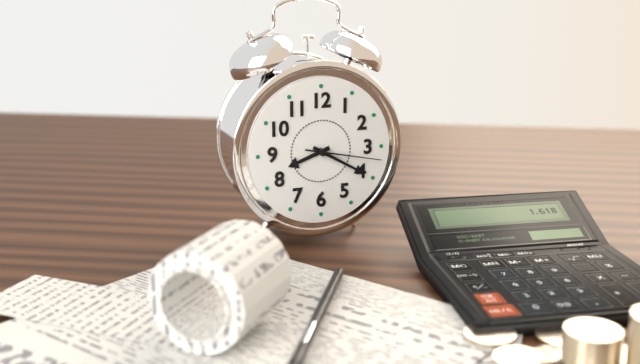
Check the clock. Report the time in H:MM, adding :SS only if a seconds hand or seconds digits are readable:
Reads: 8:20:17
